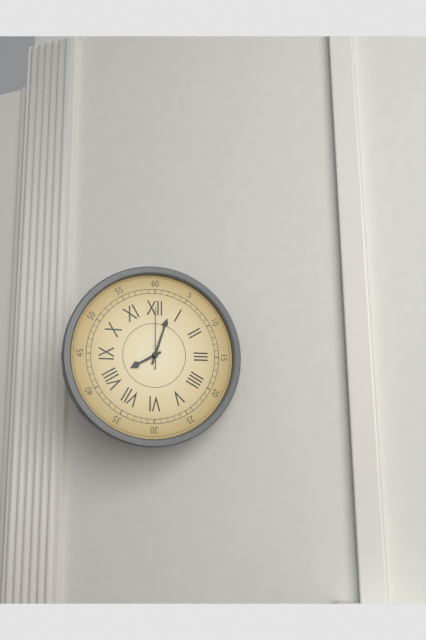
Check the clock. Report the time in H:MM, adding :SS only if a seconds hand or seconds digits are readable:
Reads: 8:03:00
